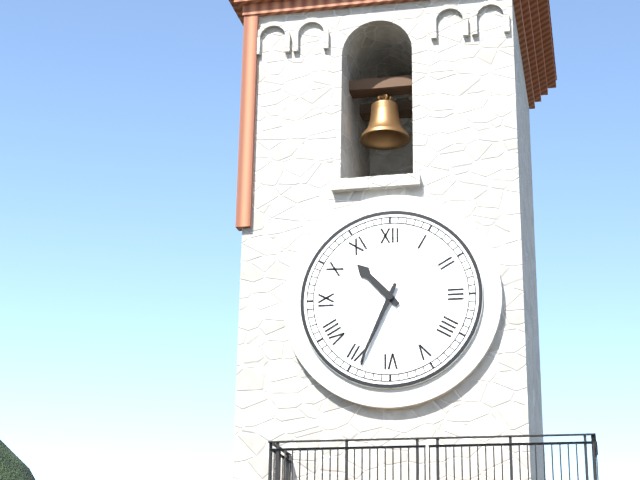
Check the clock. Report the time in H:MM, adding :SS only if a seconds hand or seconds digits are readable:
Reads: 10:34
